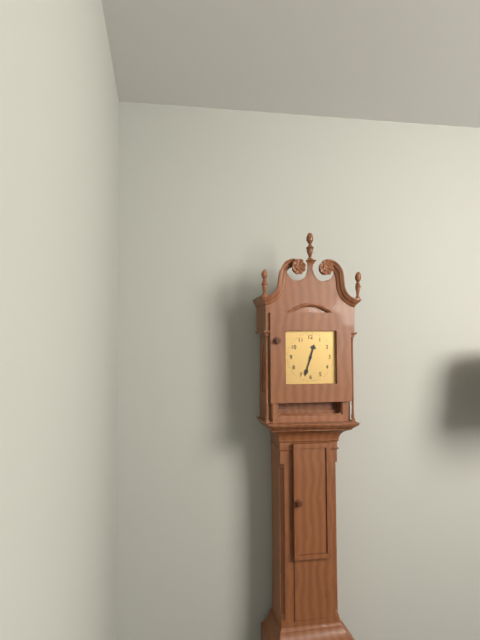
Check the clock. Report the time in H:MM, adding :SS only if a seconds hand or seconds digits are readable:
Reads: 12:33
